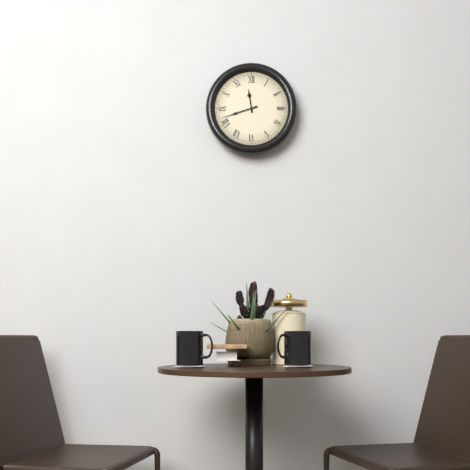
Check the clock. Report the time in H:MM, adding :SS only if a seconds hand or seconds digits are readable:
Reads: 11:42
